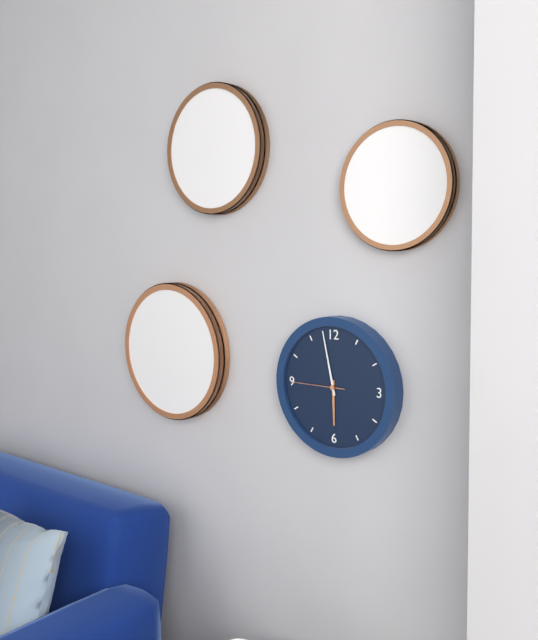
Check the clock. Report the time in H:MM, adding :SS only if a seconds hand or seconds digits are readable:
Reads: 5:58:45
